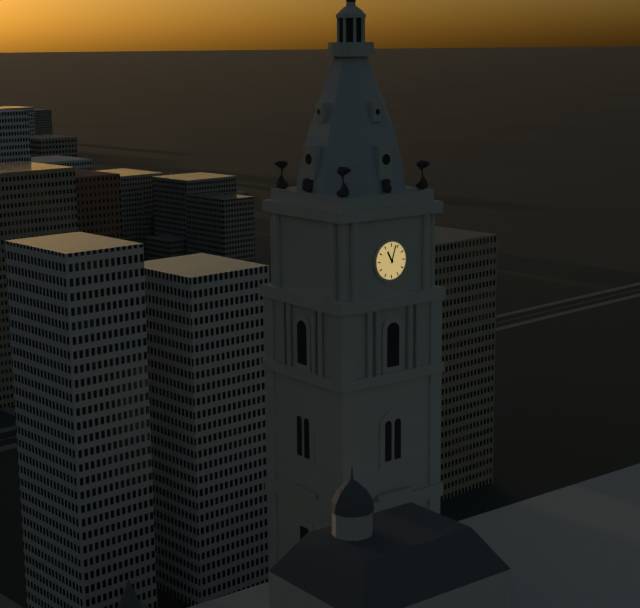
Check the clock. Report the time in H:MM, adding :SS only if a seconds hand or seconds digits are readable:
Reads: 11:03
